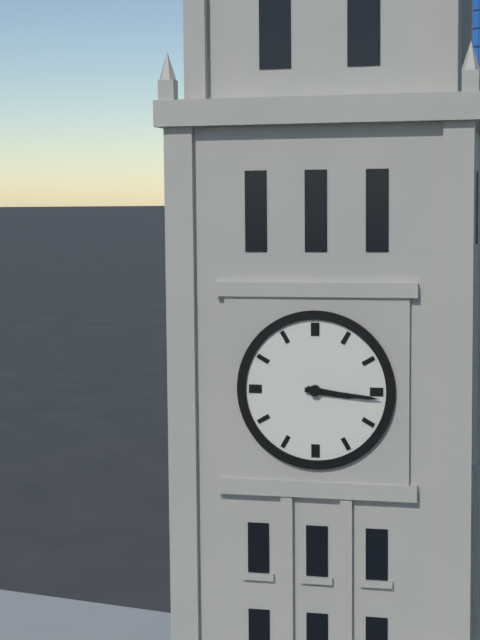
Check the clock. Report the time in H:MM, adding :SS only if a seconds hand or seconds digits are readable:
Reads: 3:16
